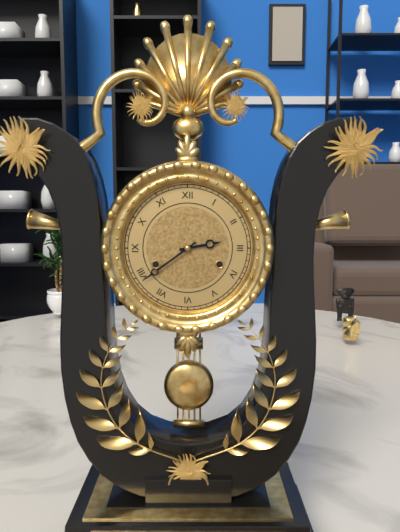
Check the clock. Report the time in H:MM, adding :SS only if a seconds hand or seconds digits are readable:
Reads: 2:39
